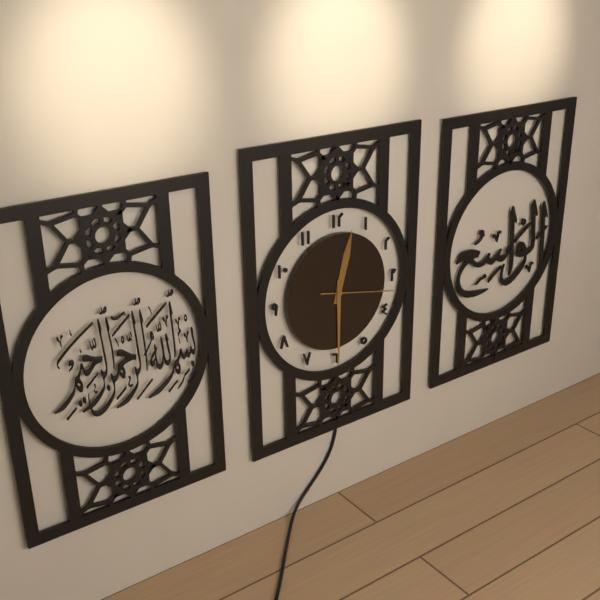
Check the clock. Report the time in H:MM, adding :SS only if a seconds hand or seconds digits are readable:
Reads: 12:30:17
